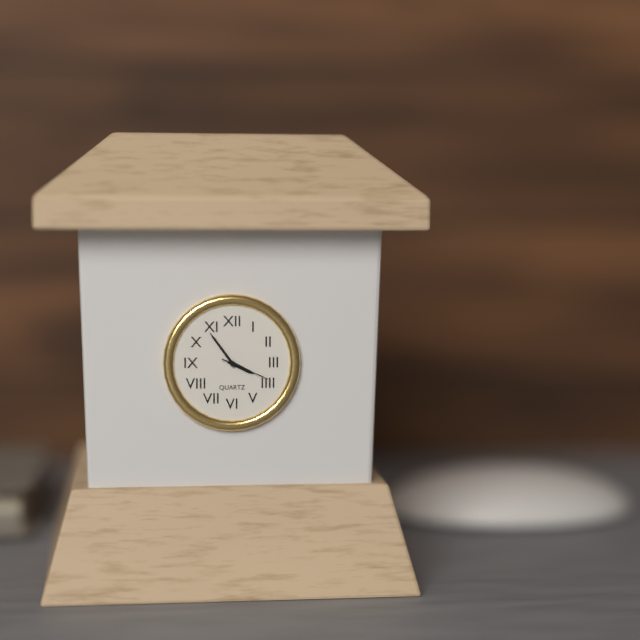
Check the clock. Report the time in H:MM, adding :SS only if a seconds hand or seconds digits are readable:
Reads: 3:54:19
